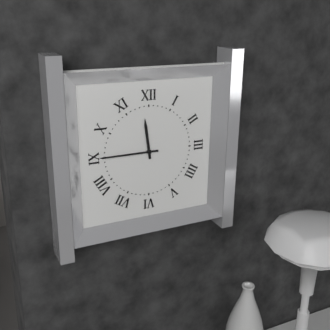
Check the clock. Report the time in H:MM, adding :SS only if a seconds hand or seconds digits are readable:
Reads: 11:45
